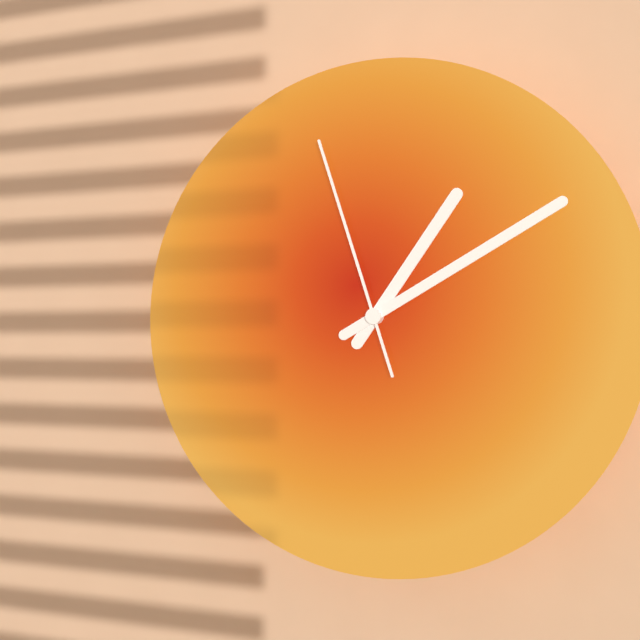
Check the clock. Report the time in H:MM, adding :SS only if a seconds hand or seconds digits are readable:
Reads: 1:10:57
